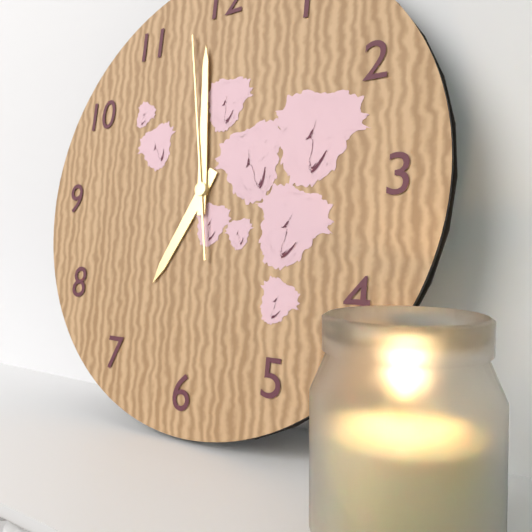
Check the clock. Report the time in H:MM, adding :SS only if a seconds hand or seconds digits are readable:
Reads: 6:59:58
